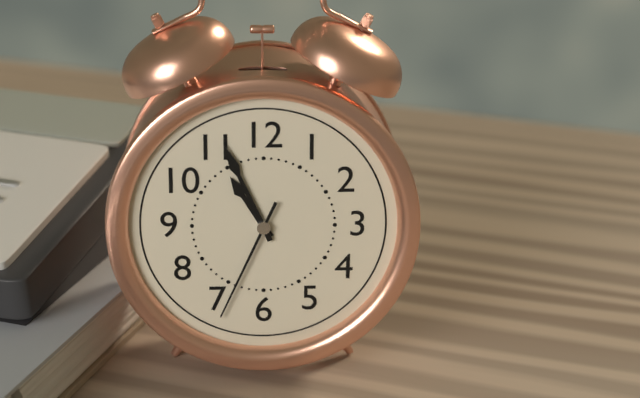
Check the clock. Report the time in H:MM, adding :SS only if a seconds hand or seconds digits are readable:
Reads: 10:56:34
